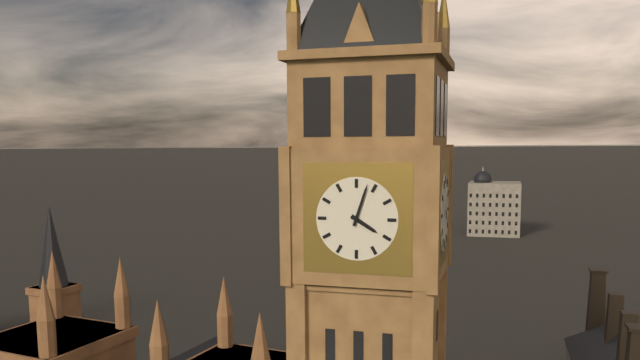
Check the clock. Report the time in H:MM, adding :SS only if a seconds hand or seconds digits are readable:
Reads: 4:03
